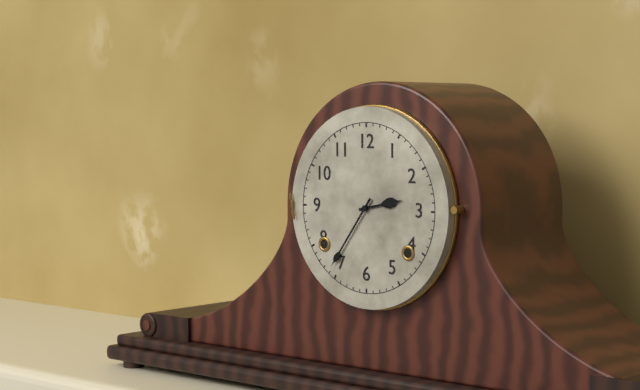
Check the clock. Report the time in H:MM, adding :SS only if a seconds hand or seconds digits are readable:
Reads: 2:36
